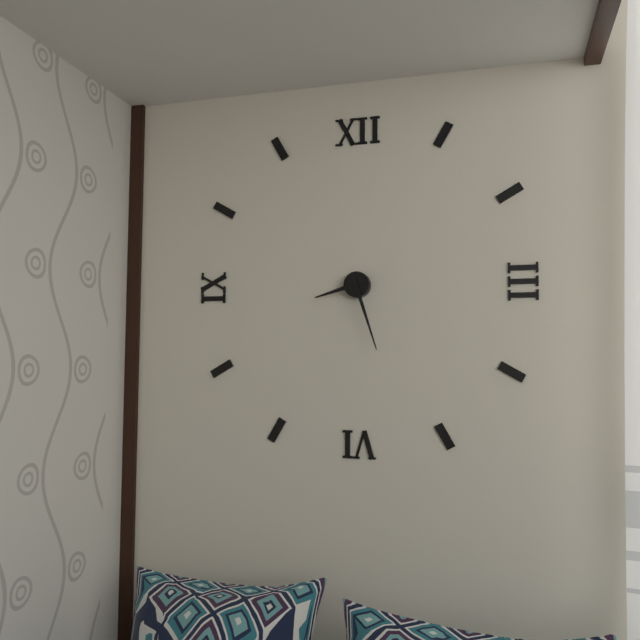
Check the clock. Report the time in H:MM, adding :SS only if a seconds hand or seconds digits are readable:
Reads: 8:27
